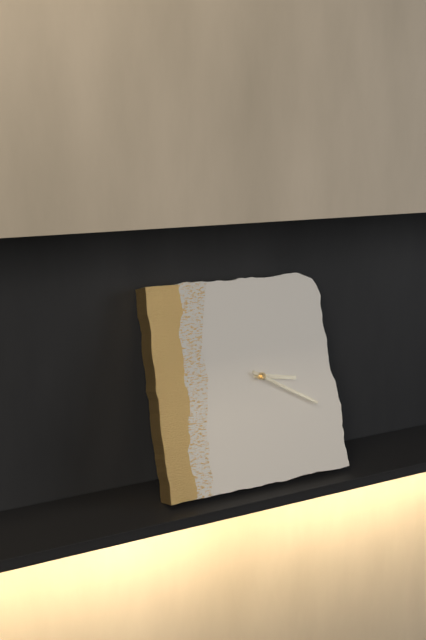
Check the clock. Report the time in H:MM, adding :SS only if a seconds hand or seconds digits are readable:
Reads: 3:20
